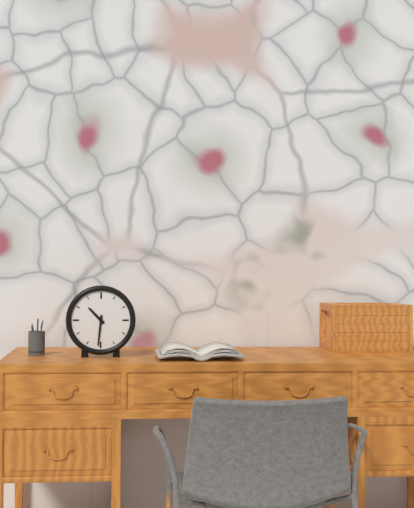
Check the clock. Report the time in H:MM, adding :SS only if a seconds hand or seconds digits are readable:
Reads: 10:31
